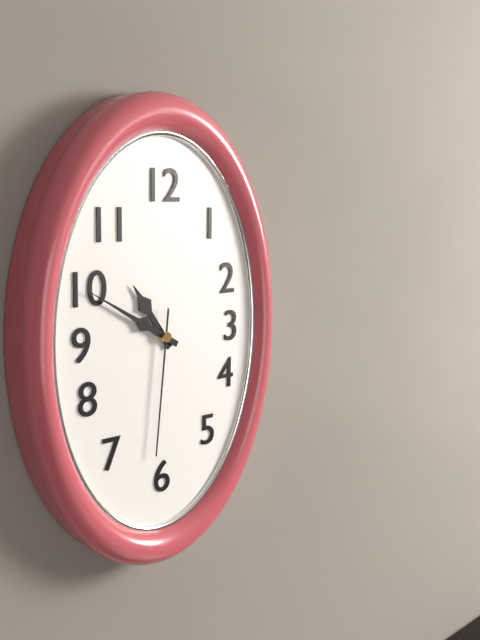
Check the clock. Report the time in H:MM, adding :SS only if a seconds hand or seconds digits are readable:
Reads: 10:50:31
